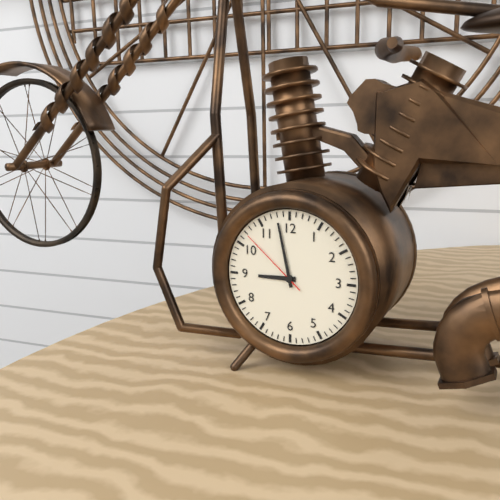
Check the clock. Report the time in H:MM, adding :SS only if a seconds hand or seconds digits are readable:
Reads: 8:58:52
